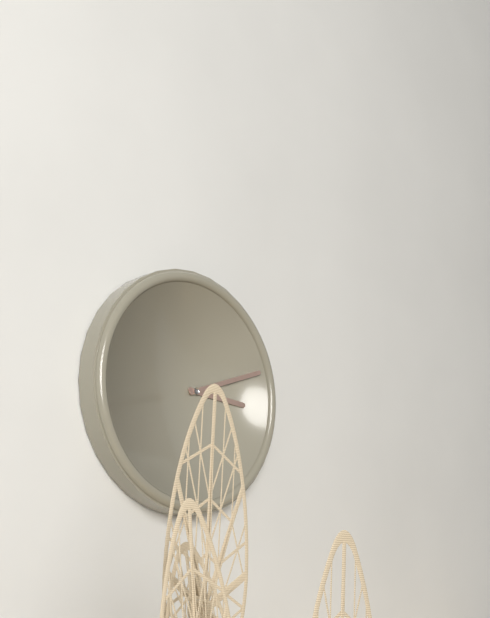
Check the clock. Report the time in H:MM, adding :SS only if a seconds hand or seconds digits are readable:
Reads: 3:12
